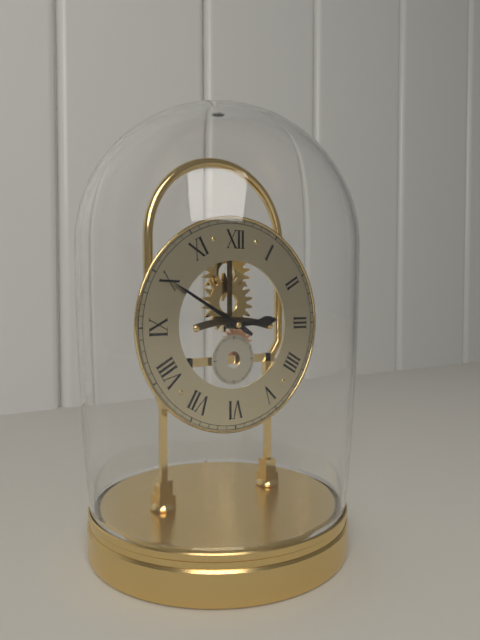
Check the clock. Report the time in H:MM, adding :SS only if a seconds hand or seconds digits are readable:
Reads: 2:50
